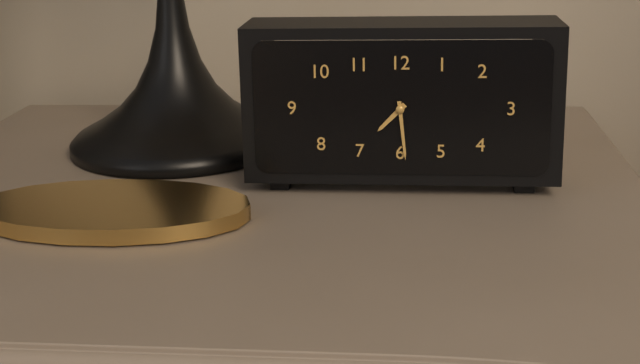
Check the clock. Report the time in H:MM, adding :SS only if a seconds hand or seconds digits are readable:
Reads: 7:29
